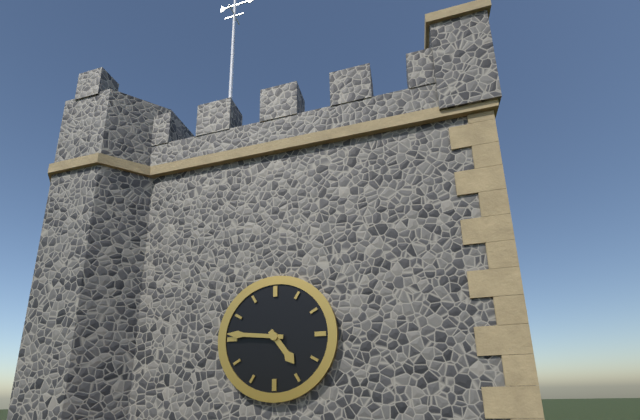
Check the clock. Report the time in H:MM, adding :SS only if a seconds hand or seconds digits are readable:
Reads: 4:46
